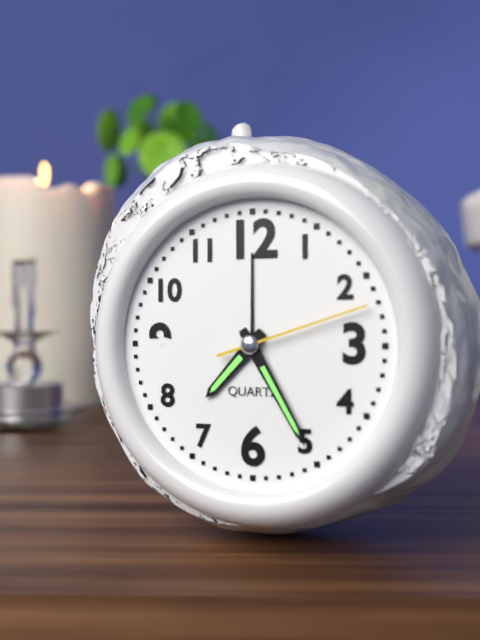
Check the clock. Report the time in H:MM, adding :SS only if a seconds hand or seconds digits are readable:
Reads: 7:25:12
